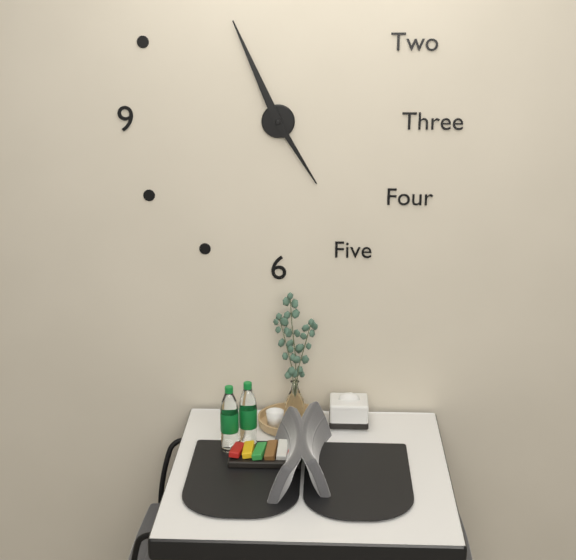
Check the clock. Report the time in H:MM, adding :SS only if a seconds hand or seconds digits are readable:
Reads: 4:56
